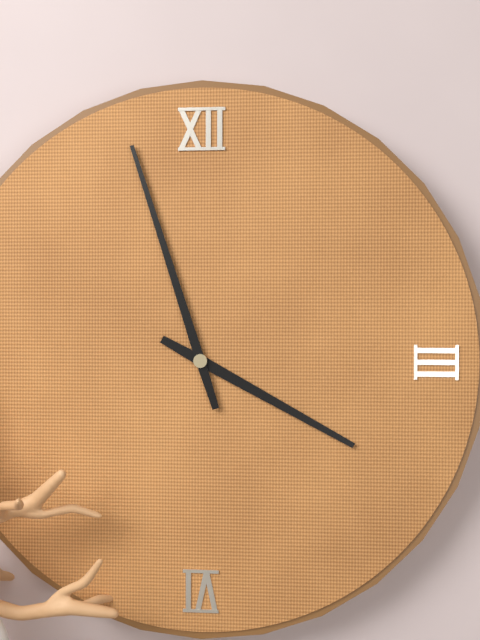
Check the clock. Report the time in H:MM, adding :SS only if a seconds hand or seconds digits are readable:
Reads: 3:57
